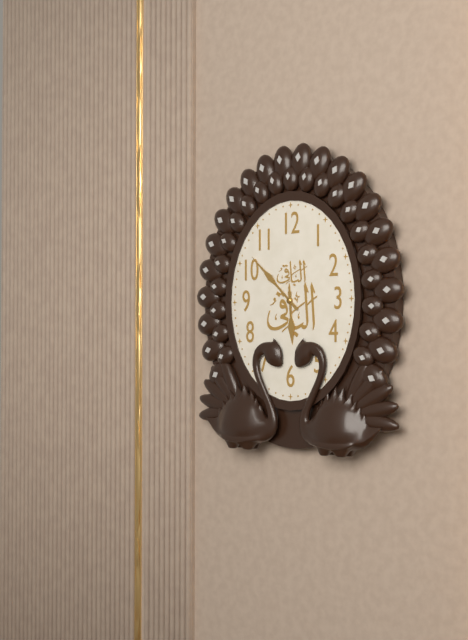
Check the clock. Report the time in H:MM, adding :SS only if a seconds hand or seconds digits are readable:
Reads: 5:52
